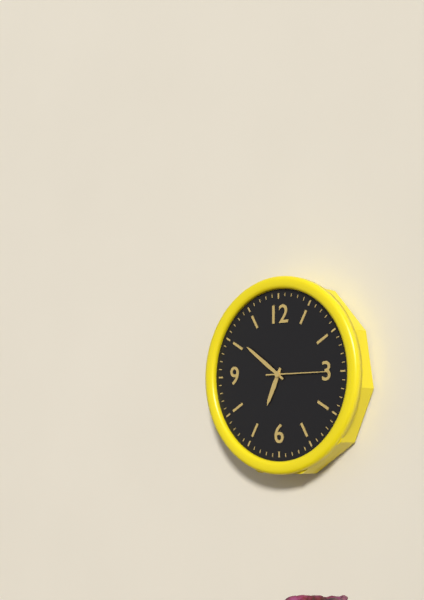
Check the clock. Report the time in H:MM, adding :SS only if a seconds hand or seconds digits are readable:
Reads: 6:51:15
